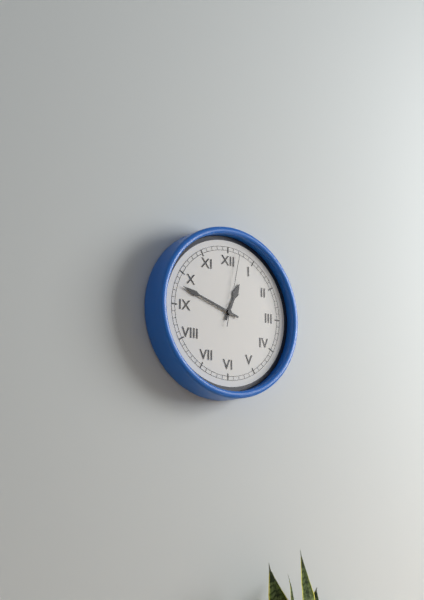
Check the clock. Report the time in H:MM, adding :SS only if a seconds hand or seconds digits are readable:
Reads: 12:48:02
